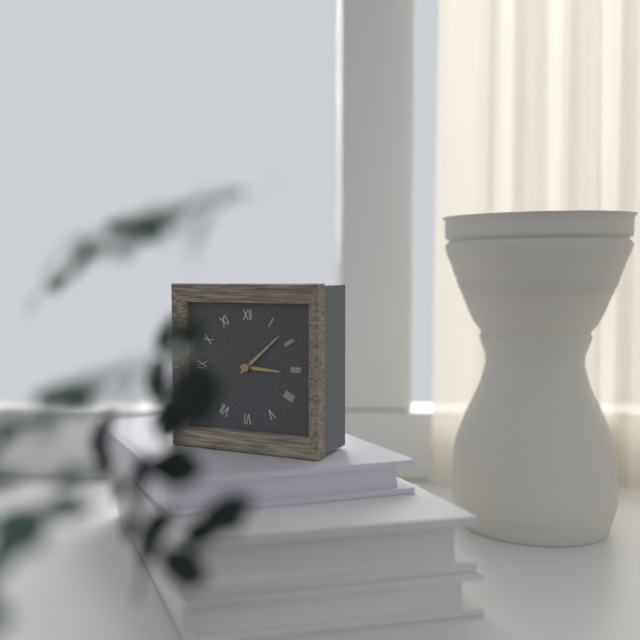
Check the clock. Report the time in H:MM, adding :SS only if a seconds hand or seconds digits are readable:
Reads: 3:08
